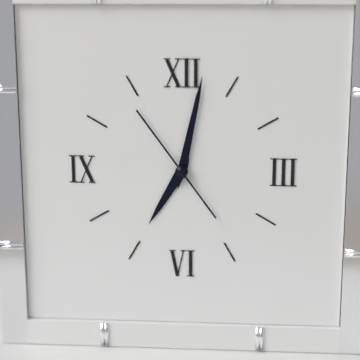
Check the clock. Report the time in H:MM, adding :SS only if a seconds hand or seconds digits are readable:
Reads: 7:02:54
